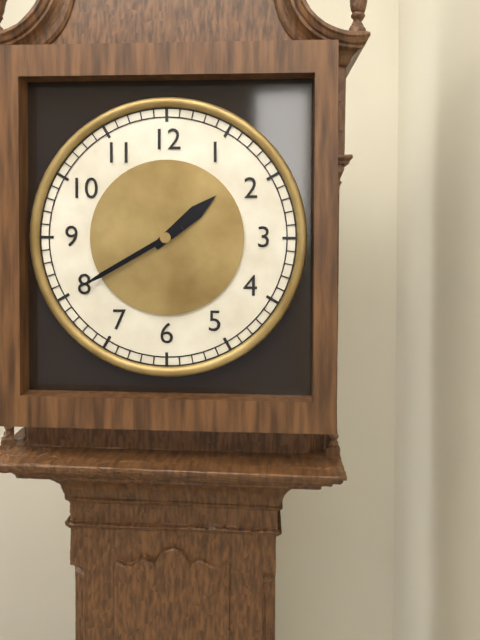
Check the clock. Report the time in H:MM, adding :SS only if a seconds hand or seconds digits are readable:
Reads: 1:40
